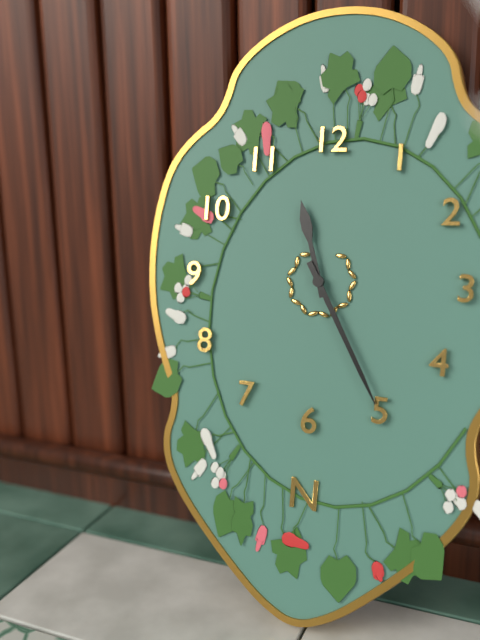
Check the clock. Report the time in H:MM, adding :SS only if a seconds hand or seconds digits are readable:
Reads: 11:25
